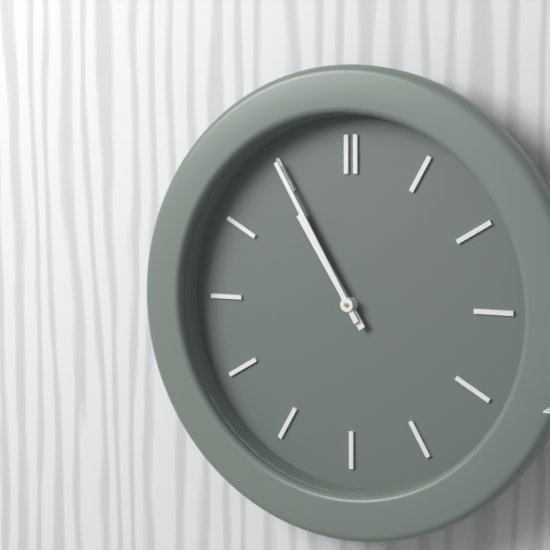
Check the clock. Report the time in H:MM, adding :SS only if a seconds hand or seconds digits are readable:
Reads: 10:55
